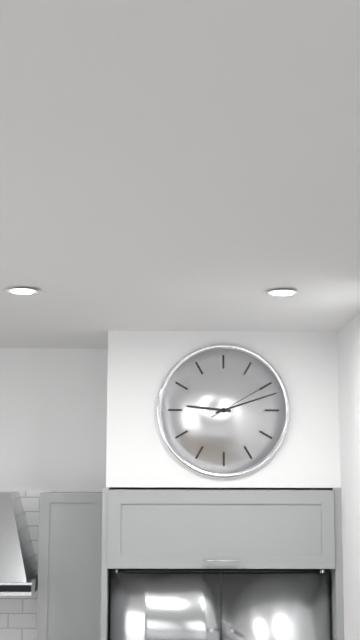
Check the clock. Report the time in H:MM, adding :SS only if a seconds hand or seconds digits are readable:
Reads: 9:12:10
